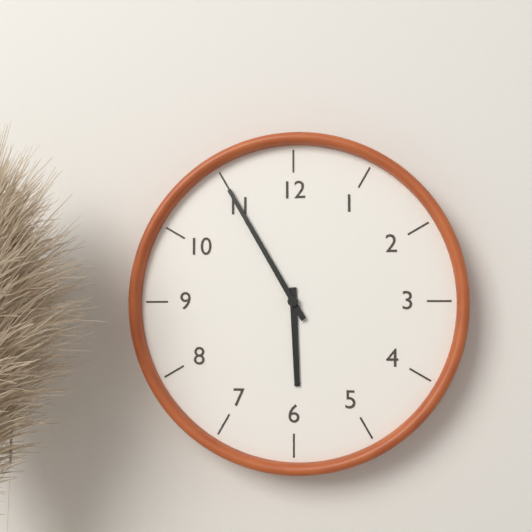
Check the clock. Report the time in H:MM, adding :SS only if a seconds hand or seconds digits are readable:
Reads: 5:55
